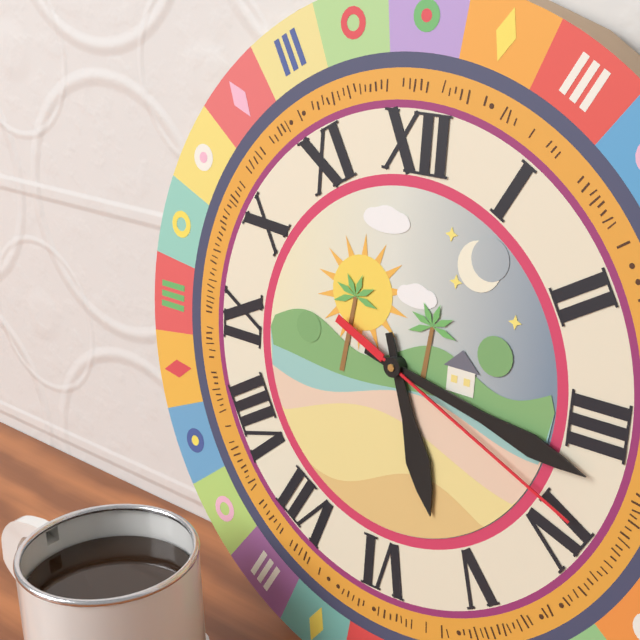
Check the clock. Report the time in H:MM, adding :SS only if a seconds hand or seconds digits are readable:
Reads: 5:17:19
